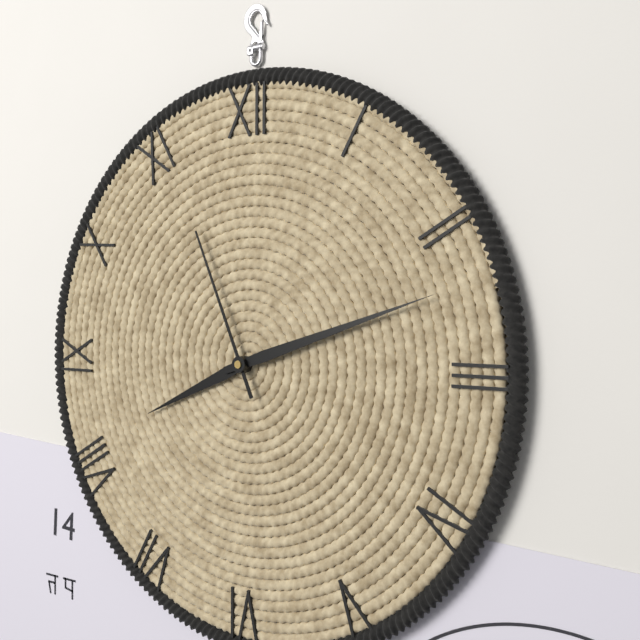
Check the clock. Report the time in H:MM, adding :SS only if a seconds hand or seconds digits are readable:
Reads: 8:12:56
